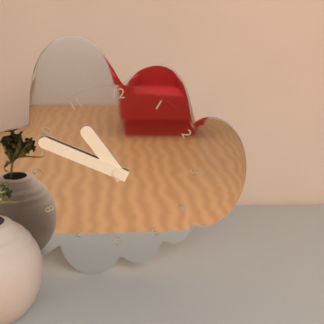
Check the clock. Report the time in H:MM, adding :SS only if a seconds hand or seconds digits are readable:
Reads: 10:49
